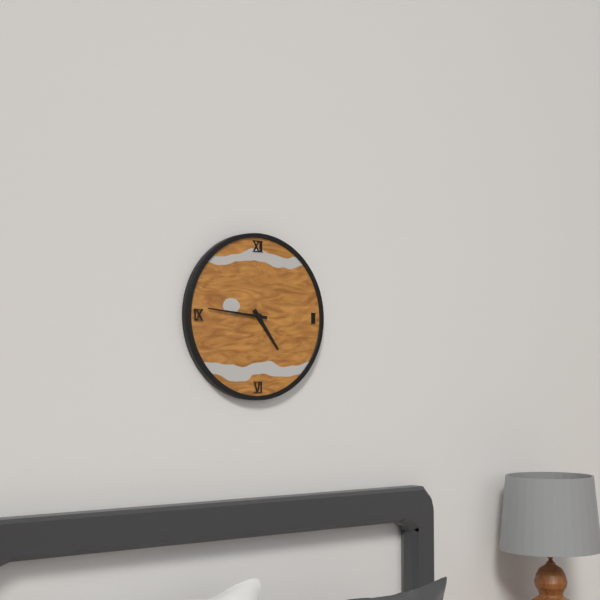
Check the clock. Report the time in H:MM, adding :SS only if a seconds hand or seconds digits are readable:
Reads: 4:46
